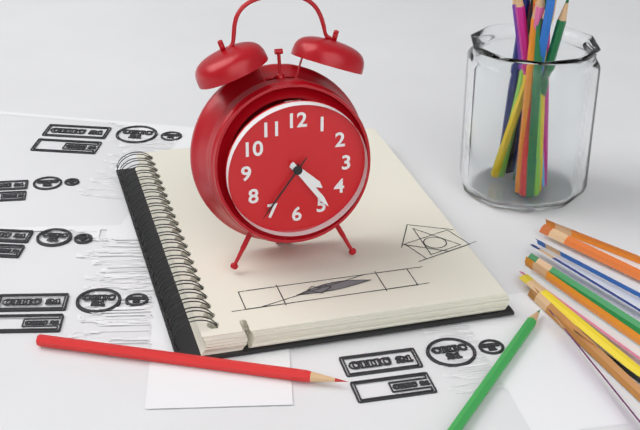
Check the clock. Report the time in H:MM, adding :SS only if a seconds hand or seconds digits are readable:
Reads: 4:24:36
